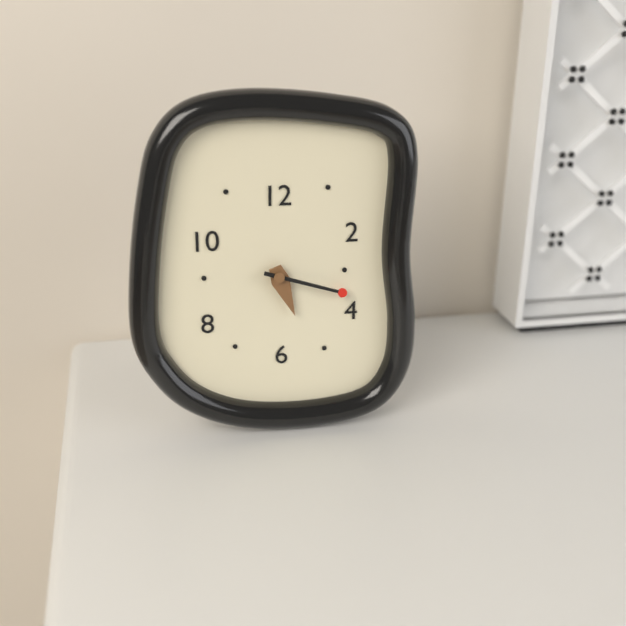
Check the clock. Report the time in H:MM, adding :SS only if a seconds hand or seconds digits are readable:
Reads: 5:18
